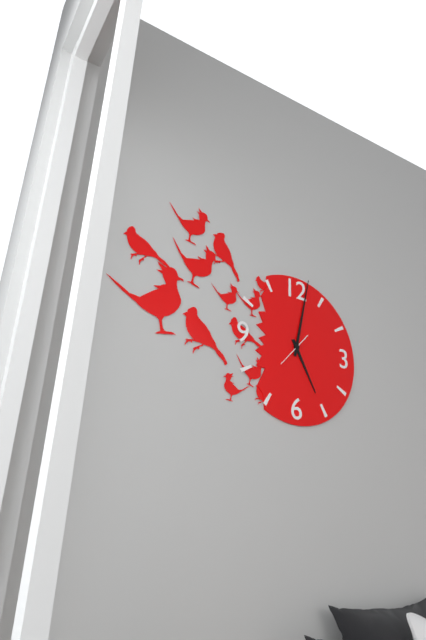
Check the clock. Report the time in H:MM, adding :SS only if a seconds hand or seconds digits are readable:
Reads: 5:02
